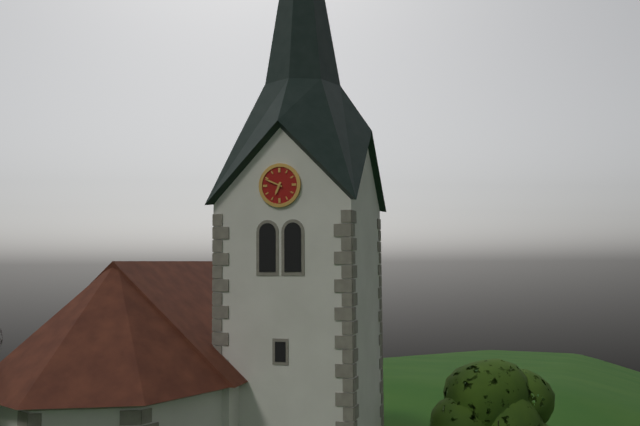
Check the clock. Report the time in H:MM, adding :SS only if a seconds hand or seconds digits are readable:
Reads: 6:49
